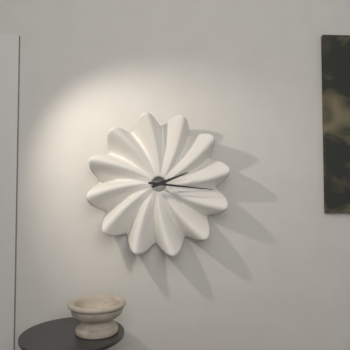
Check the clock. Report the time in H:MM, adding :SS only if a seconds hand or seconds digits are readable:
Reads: 2:16
